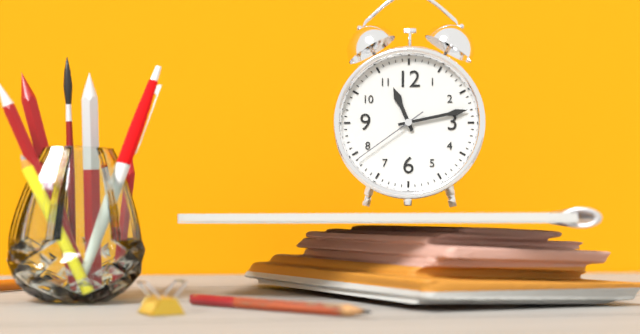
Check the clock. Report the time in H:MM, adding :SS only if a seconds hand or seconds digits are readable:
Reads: 11:13:39
